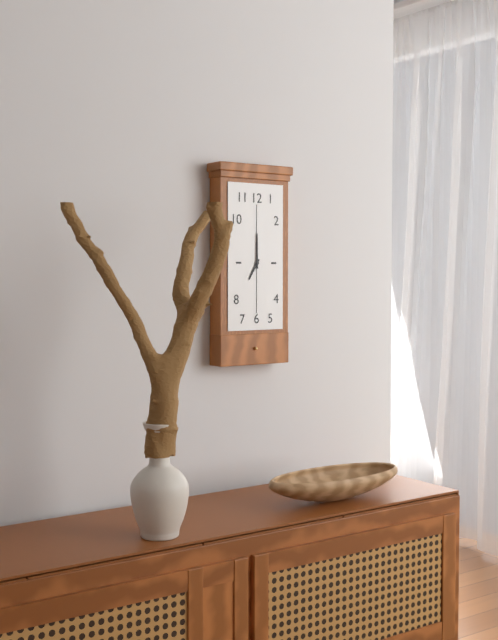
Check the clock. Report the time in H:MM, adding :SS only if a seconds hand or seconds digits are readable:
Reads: 7:00
